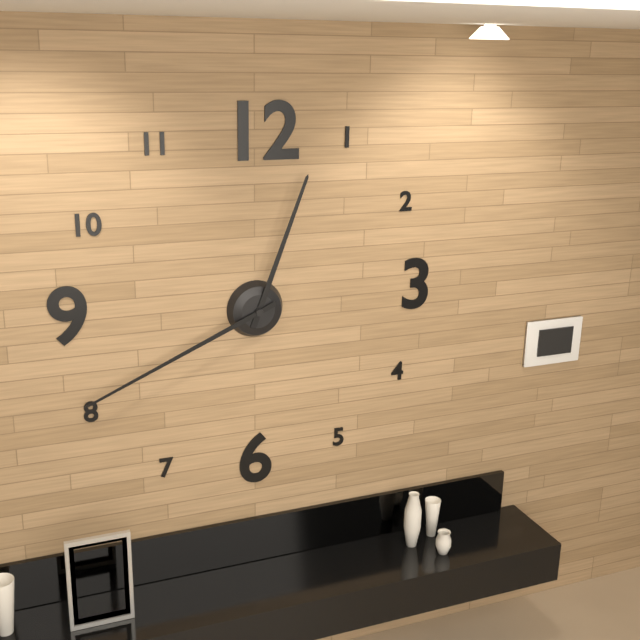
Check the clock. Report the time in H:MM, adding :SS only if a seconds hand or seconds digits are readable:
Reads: 12:41
